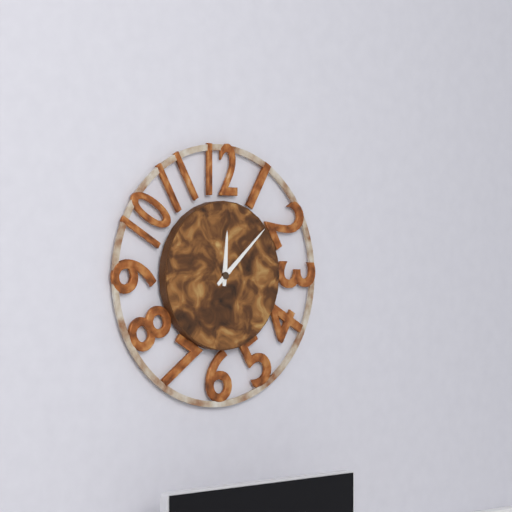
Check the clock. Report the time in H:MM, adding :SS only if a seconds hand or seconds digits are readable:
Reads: 12:08
